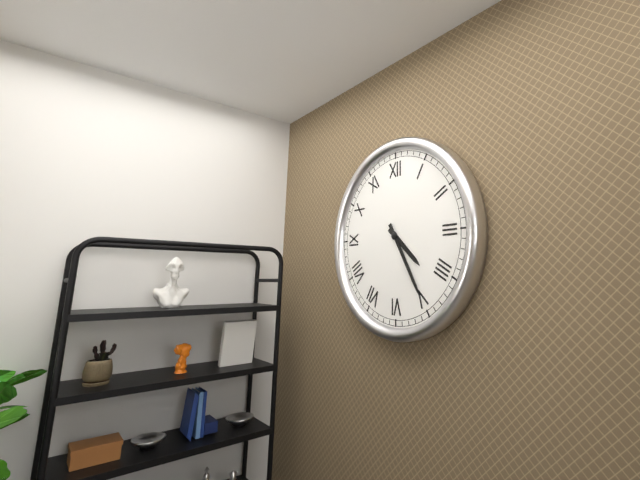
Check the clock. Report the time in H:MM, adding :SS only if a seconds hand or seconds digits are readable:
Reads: 4:25
